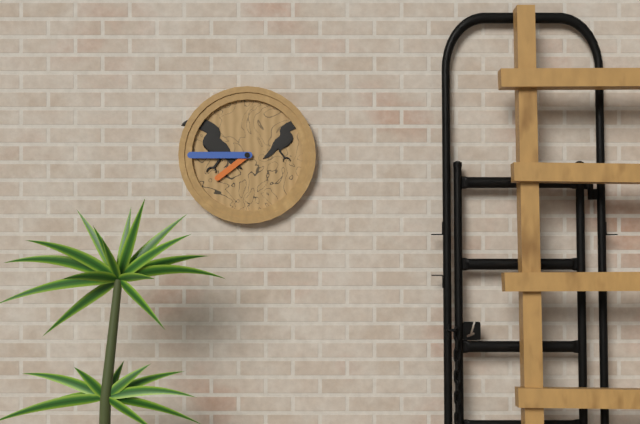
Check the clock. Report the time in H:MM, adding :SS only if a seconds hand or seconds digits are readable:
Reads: 7:45
